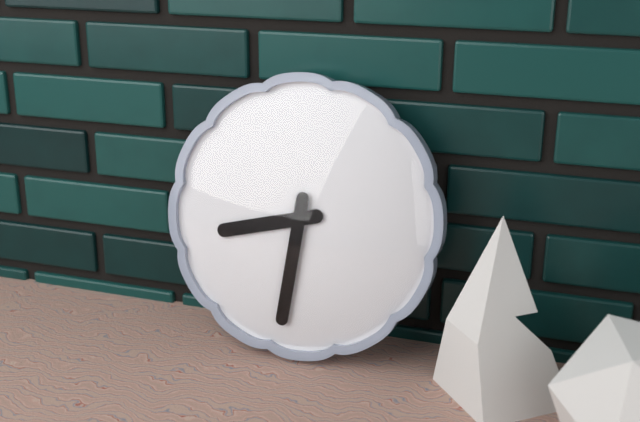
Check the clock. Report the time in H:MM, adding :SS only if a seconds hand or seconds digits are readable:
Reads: 8:31
